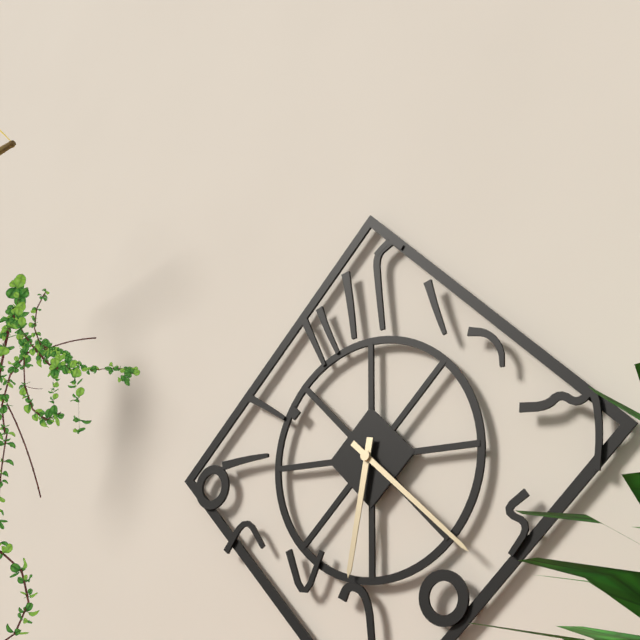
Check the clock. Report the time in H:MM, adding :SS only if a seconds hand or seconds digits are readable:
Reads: 6:22
